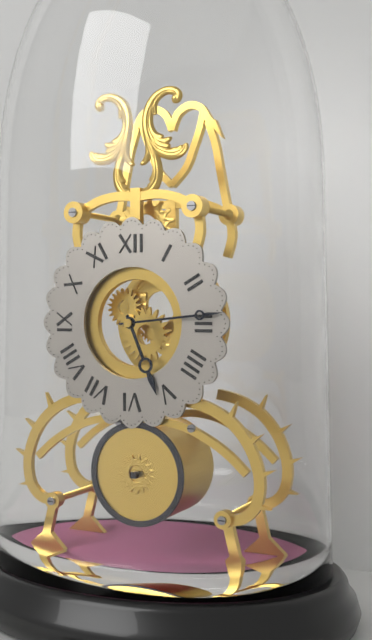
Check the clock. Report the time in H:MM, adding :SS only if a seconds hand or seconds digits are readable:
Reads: 5:14
